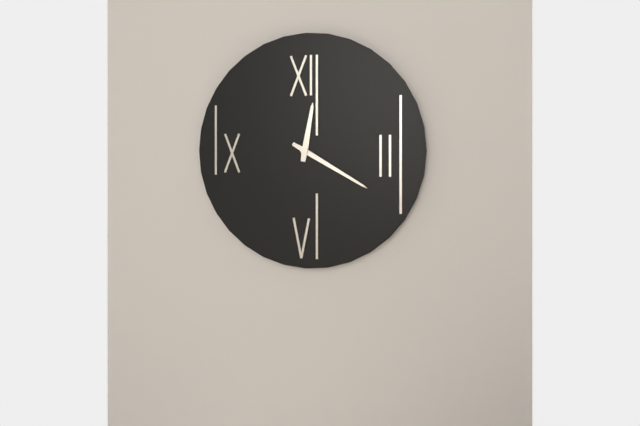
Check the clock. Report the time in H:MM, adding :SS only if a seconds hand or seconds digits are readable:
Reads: 12:20
